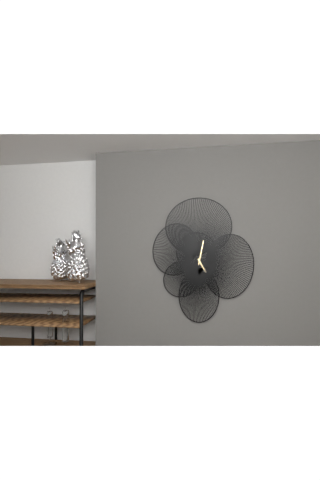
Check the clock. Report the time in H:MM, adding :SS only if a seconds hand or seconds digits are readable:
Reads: 5:02
